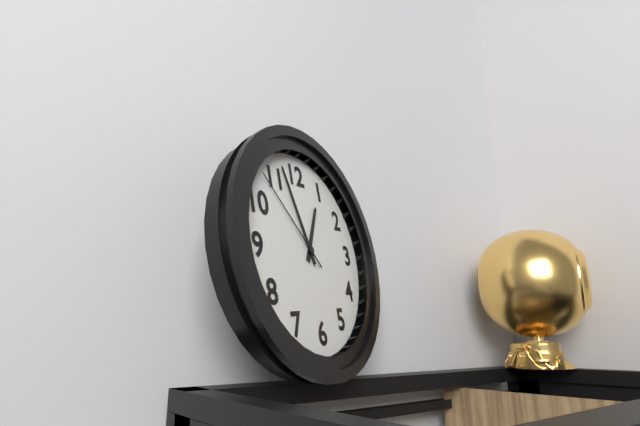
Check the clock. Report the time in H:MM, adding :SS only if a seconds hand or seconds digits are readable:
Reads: 12:57:53
